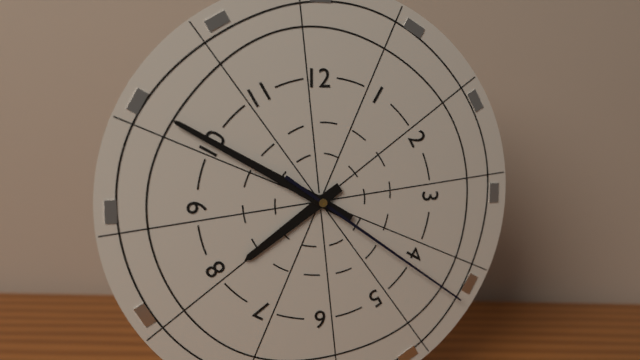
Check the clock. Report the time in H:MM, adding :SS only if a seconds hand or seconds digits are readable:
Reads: 7:50:21
